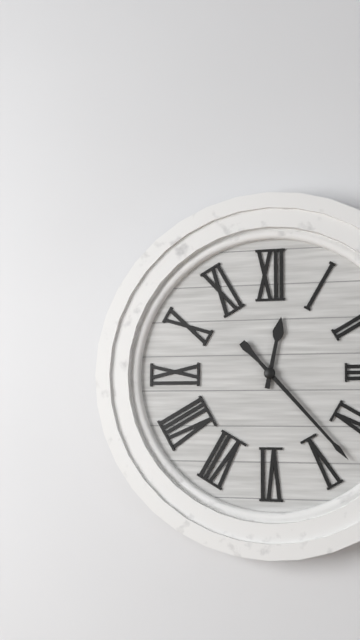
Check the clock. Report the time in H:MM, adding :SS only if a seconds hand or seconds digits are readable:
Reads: 12:23
